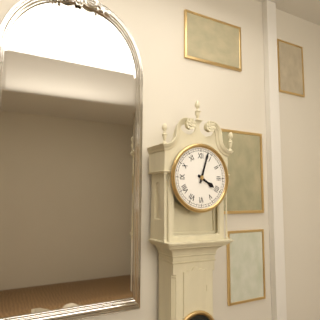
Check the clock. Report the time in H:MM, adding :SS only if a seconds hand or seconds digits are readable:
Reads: 4:03
